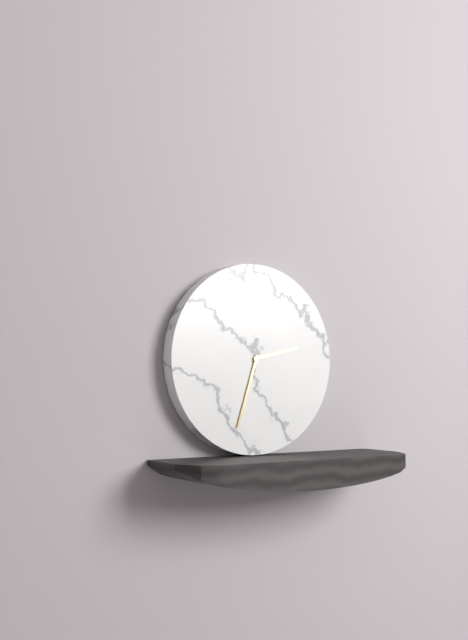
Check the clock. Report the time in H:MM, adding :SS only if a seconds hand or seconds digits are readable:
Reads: 2:33
